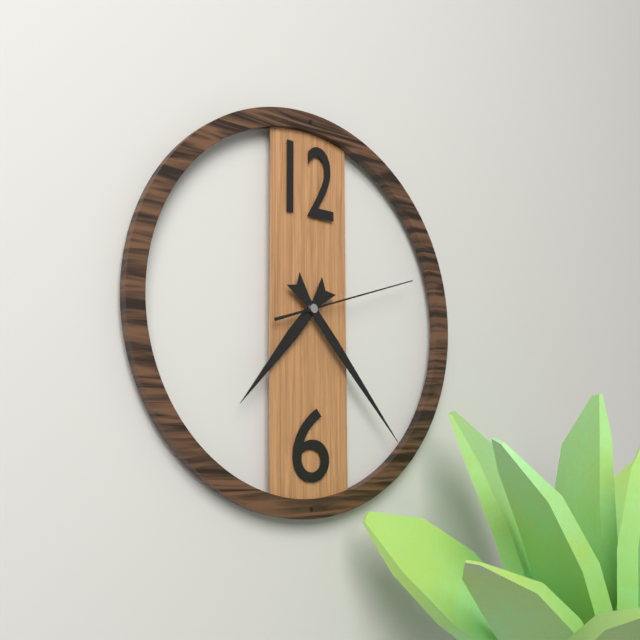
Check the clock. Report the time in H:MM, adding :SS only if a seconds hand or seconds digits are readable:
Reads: 7:23:12
